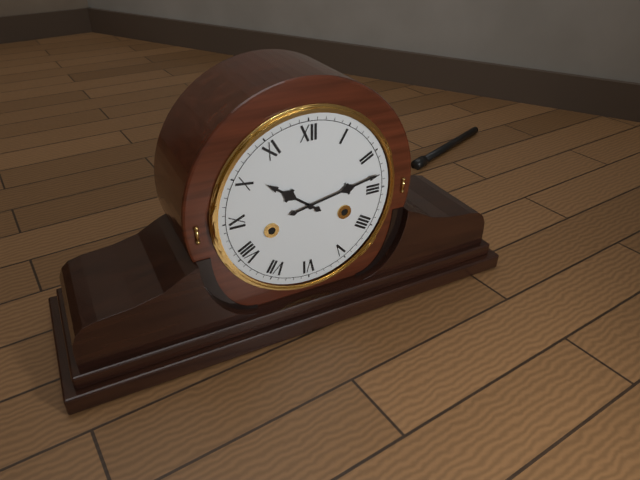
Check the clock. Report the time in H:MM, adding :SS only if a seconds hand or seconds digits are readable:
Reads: 10:13
